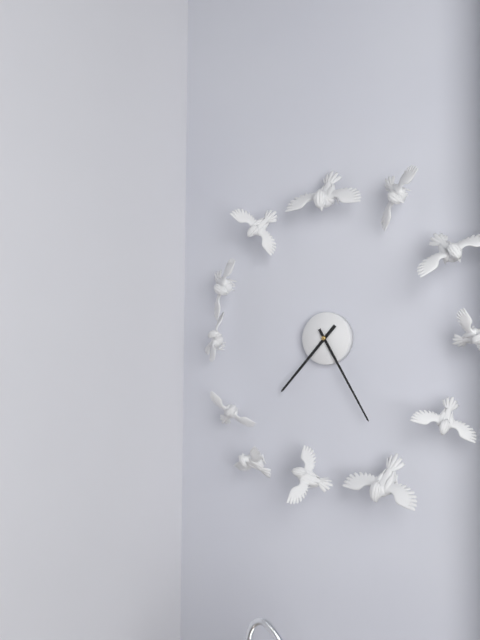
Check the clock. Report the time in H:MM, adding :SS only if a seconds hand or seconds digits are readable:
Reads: 7:25
